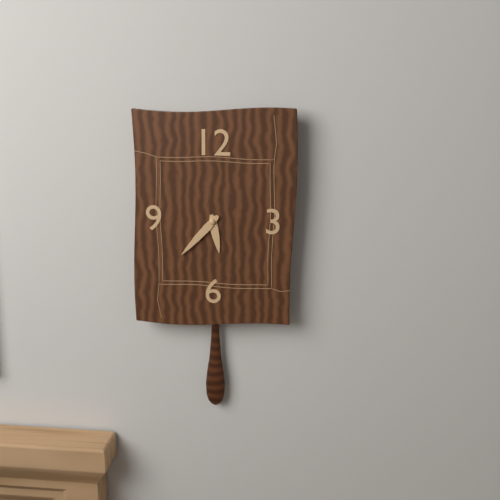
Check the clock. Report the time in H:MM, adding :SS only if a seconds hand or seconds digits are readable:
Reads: 5:37
